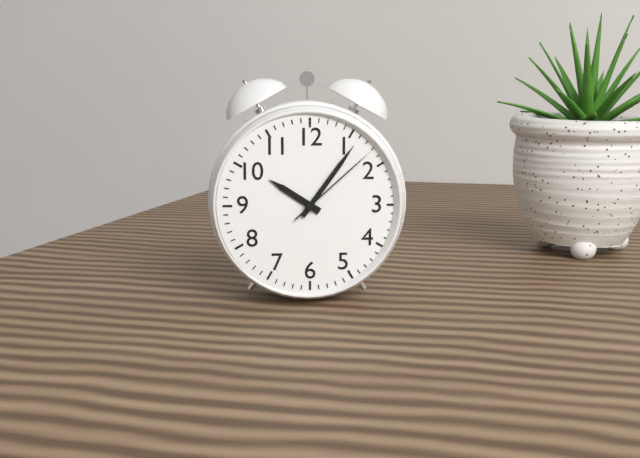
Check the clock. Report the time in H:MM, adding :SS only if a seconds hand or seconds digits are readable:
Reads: 10:06:08
